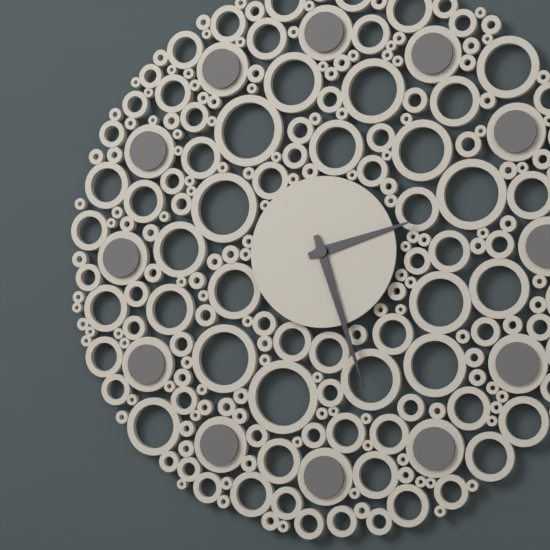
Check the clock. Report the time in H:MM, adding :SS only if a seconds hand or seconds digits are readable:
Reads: 2:27
